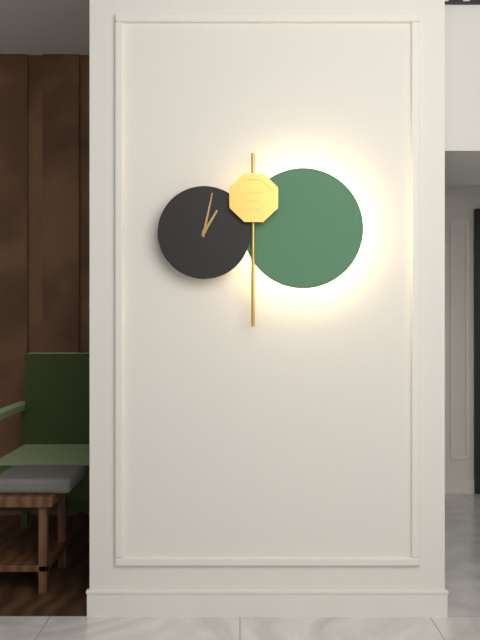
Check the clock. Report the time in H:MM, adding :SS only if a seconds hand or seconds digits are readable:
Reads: 1:02
